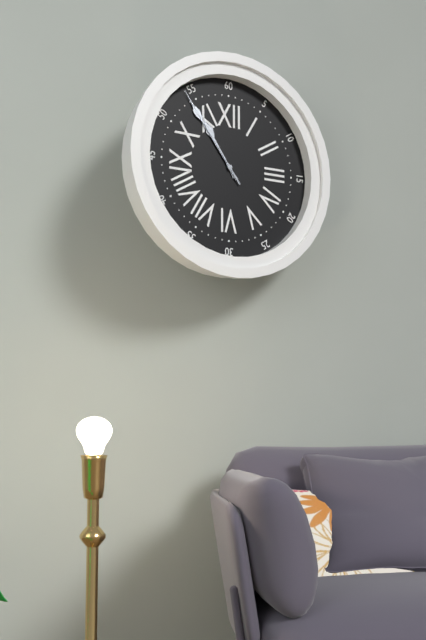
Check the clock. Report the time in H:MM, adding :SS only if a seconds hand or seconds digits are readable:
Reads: 10:54:54
